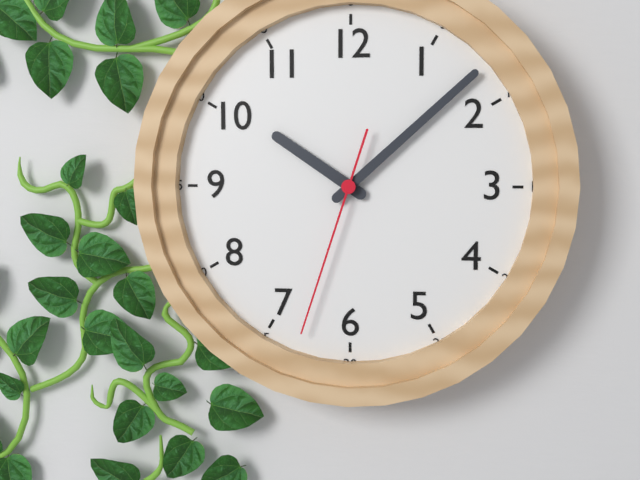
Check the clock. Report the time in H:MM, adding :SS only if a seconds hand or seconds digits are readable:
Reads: 10:08:33
